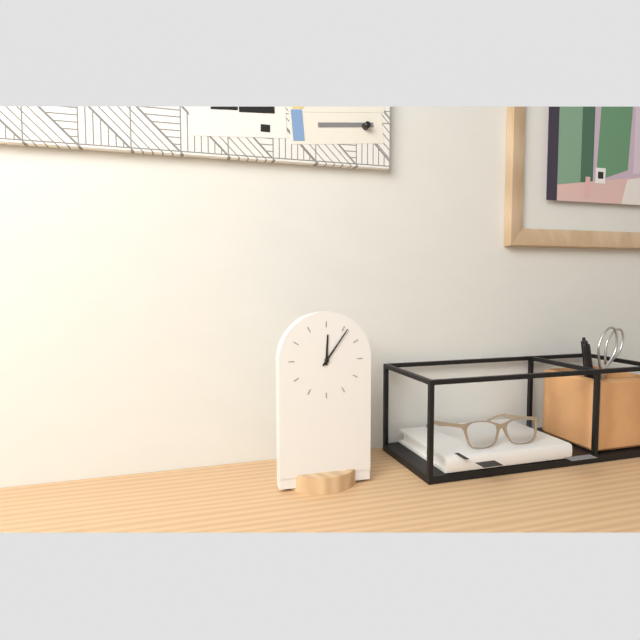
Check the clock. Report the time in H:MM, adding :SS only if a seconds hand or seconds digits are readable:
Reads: 12:06
